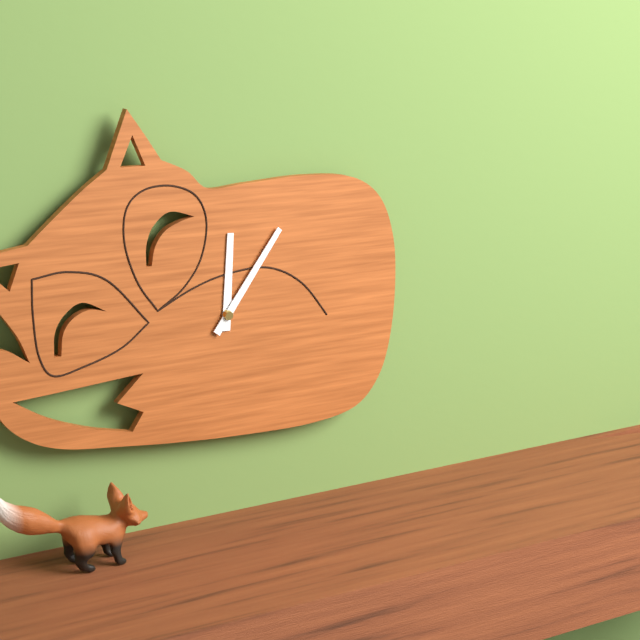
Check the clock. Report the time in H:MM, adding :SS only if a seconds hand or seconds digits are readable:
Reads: 12:06
